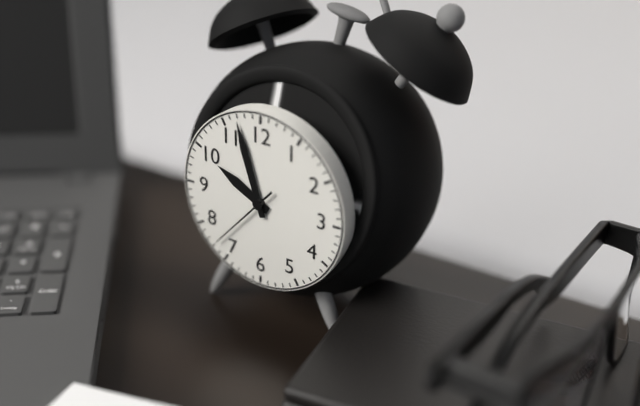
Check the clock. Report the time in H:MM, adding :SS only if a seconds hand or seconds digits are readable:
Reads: 9:57:37
